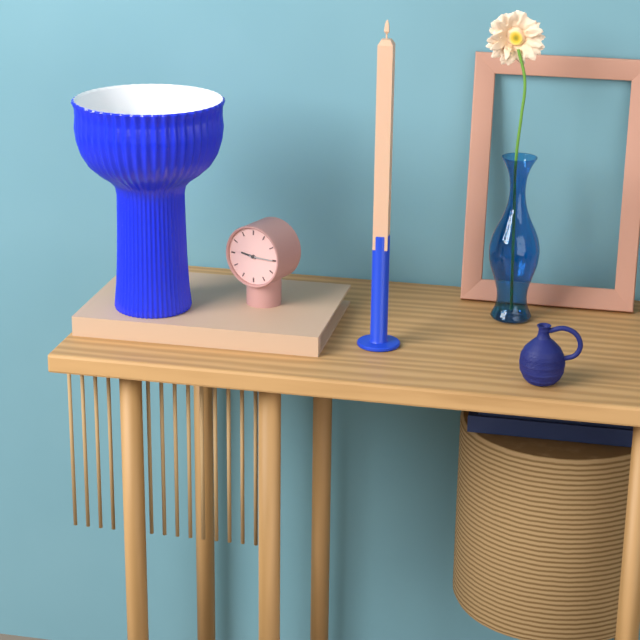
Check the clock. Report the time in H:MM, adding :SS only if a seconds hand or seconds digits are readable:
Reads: 9:15
